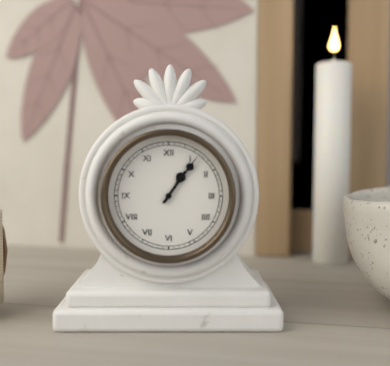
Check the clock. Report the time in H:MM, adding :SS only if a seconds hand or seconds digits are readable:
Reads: 1:06
